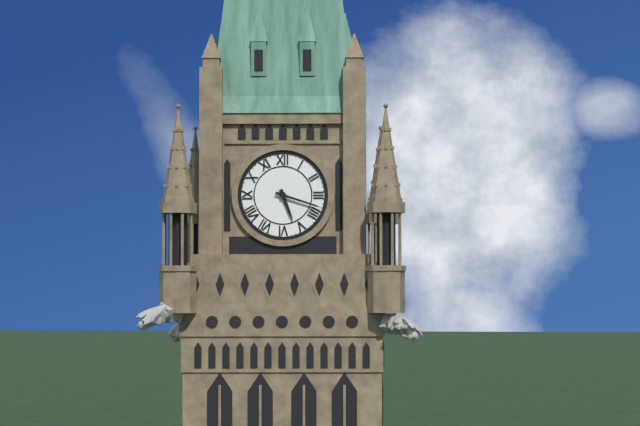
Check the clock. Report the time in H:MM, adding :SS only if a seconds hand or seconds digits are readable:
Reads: 5:18
